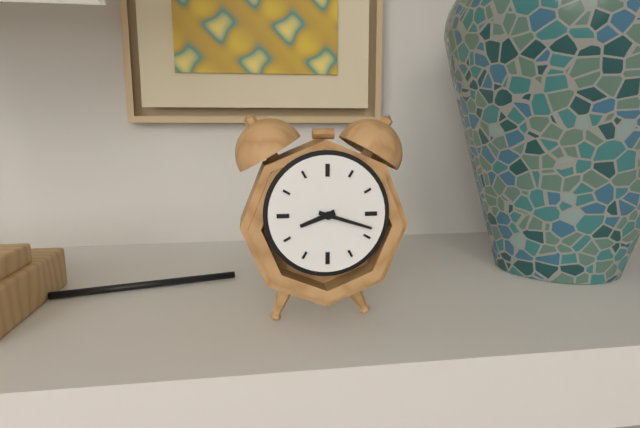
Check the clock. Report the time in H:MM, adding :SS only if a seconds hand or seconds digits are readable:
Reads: 8:18
